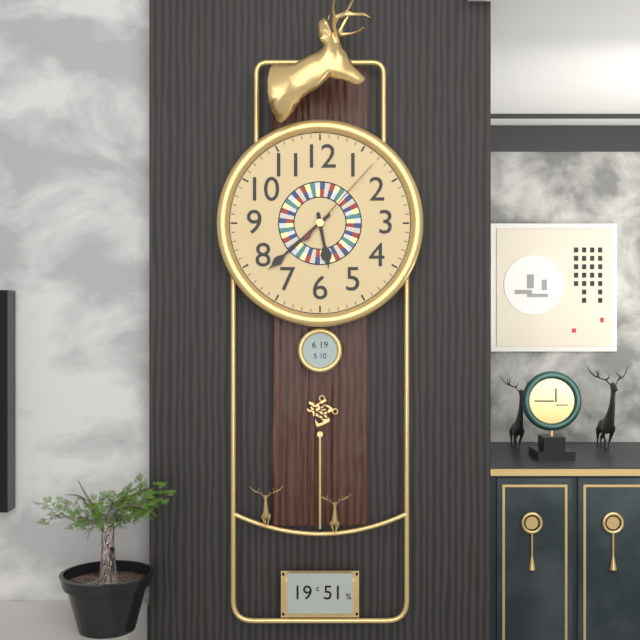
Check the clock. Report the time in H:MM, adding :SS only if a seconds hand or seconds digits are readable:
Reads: 5:38:07
